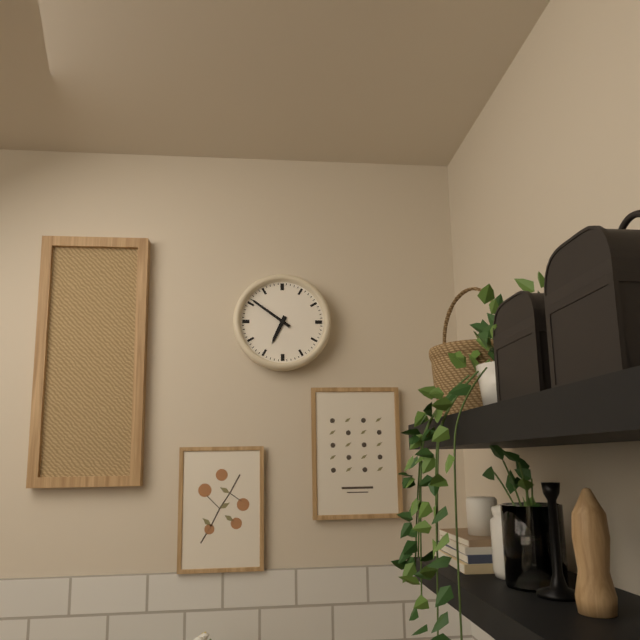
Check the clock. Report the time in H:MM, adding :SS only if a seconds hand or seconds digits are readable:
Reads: 6:51
